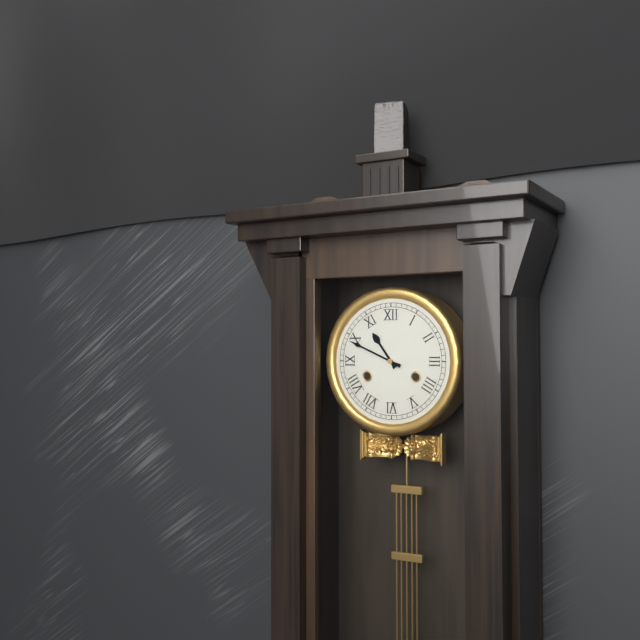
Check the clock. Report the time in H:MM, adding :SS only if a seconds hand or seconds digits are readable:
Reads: 10:49
